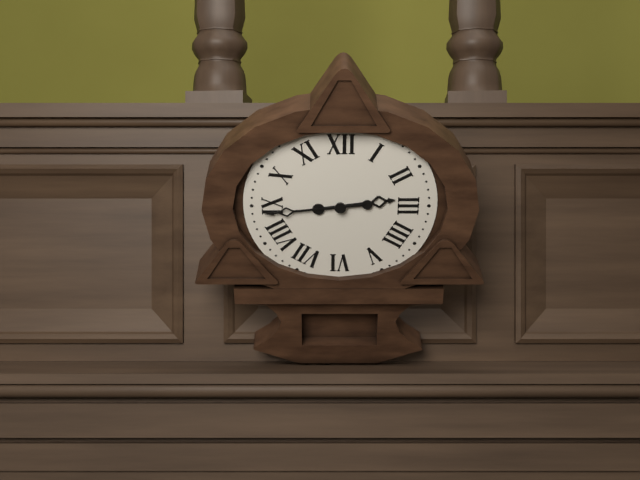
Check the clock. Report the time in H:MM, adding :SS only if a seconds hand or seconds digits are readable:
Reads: 2:44
